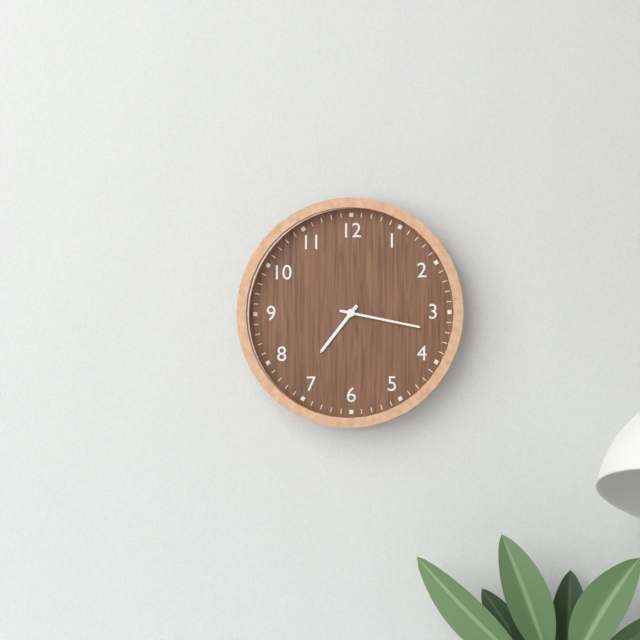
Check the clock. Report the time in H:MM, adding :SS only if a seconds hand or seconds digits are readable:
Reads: 7:17
